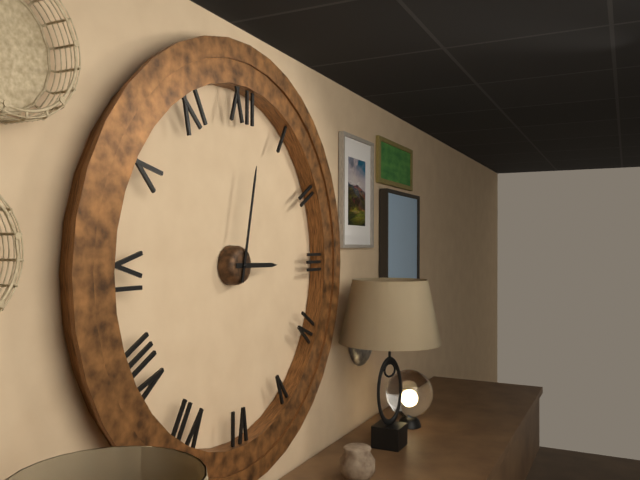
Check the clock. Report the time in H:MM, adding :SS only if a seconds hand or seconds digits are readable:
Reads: 3:02
